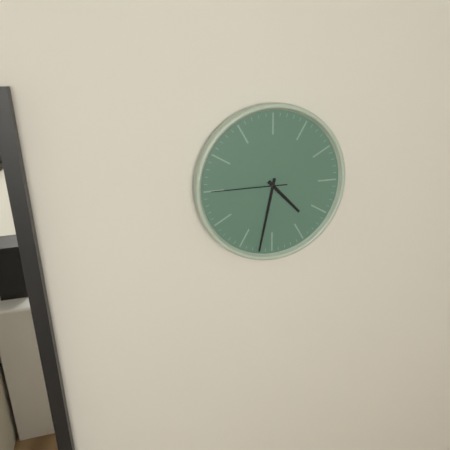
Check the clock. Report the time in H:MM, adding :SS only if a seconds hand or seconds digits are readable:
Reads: 4:32:45
